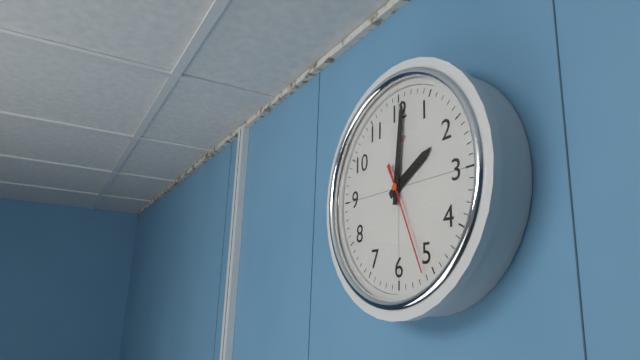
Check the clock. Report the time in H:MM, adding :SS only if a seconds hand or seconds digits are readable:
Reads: 2:01:26
